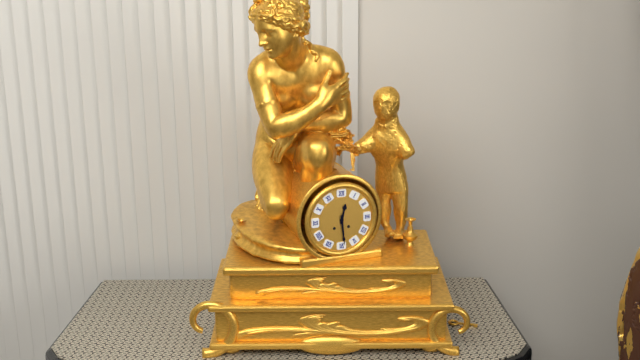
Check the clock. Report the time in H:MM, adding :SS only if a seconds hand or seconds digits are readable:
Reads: 12:29
